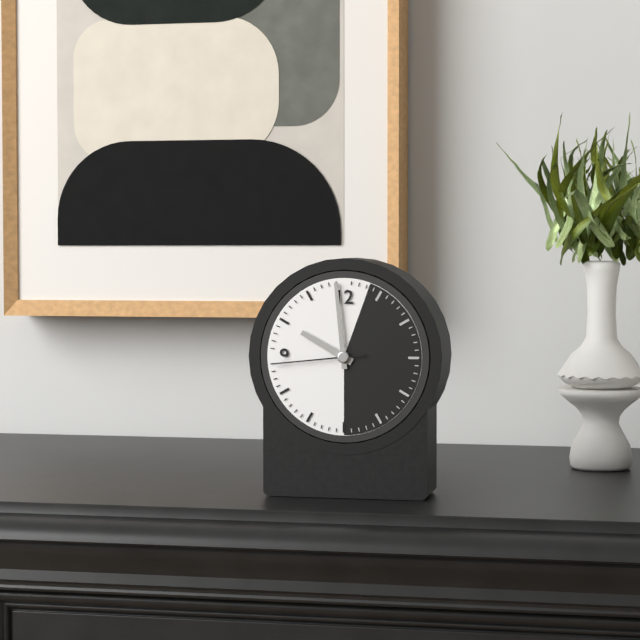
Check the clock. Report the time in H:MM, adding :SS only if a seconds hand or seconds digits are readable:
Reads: 9:59:44
